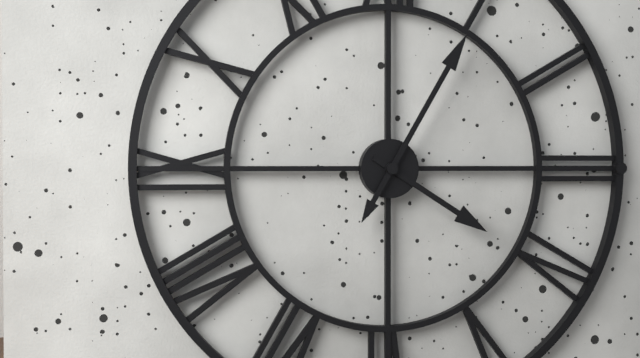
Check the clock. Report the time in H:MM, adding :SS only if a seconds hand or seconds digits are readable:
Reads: 4:05
